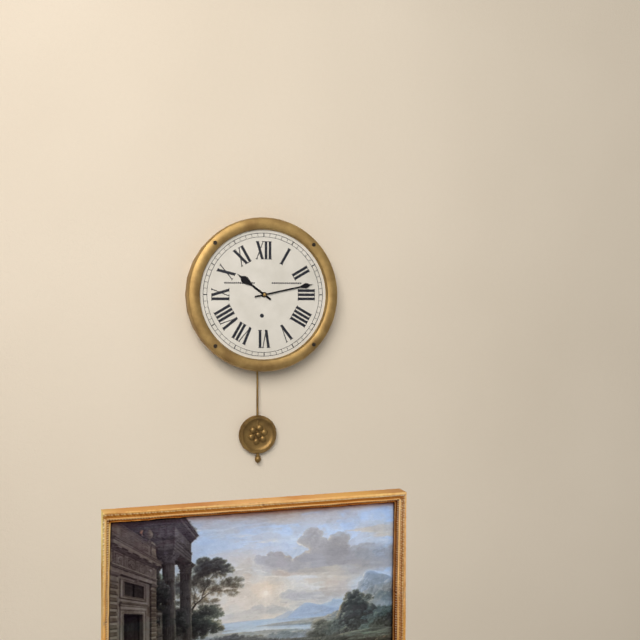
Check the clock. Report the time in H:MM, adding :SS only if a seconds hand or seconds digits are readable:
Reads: 10:13
